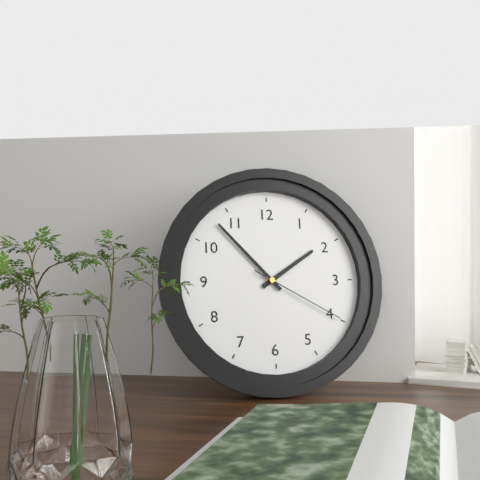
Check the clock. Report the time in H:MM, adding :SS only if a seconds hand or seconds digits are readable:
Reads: 1:53:20
